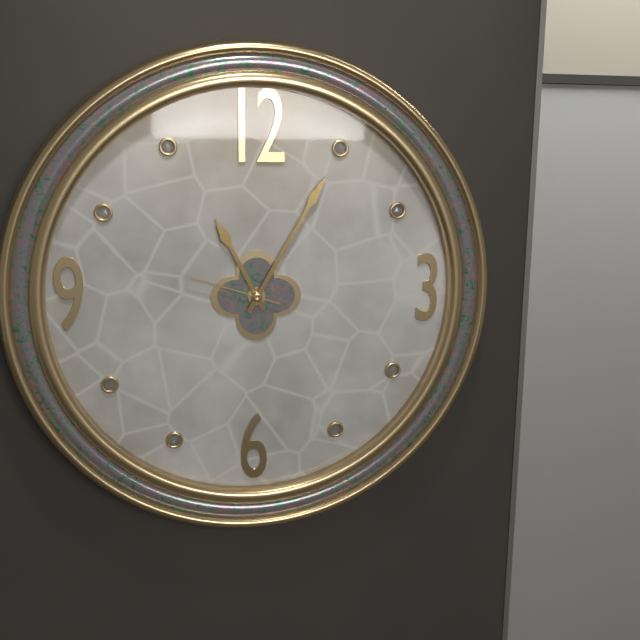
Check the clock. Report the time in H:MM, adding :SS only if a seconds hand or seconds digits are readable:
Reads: 11:05:48
